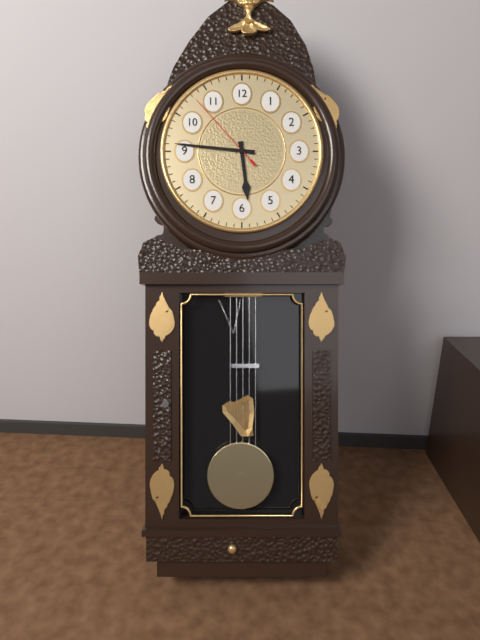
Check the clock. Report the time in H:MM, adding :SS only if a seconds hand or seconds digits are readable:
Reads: 5:46:53
